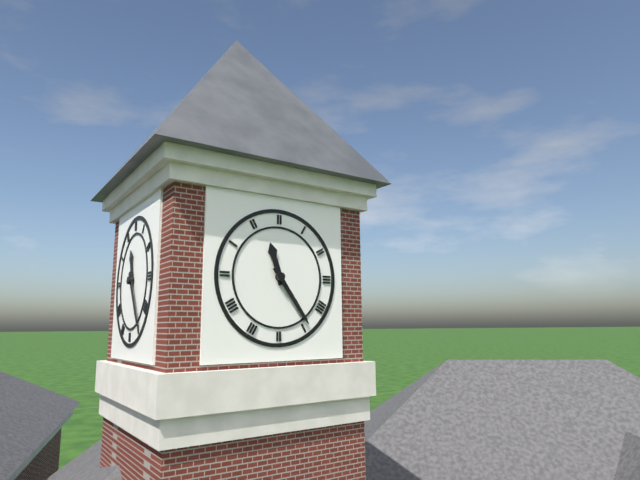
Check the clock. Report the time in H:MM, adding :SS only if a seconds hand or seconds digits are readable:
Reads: 11:24
